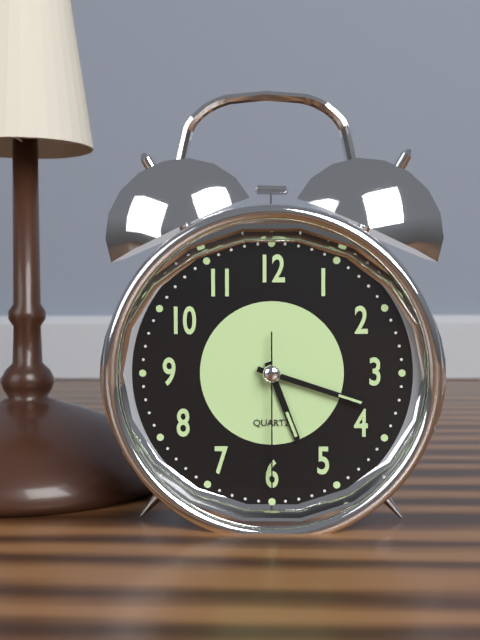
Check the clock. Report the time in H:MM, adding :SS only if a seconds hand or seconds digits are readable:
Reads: 5:18:30
